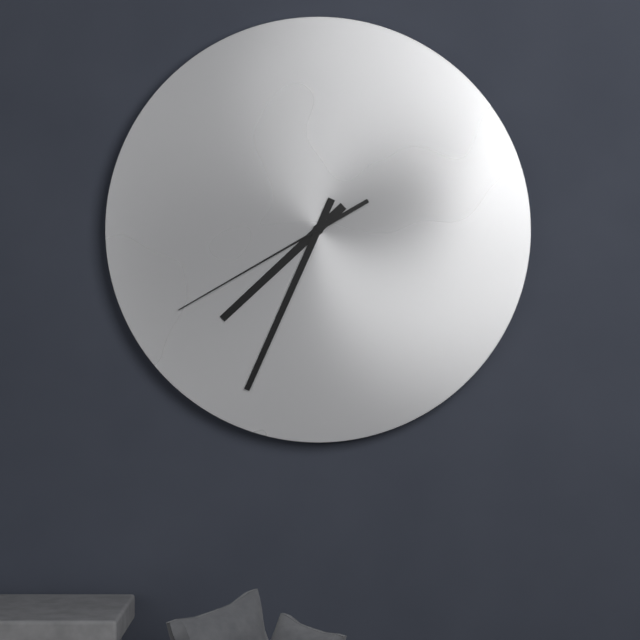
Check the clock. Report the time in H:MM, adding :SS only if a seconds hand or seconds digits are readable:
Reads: 7:34:40
